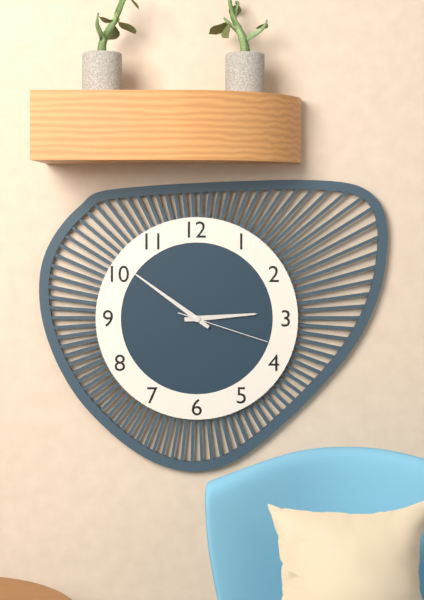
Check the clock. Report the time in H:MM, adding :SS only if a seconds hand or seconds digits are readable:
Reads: 2:51:18
